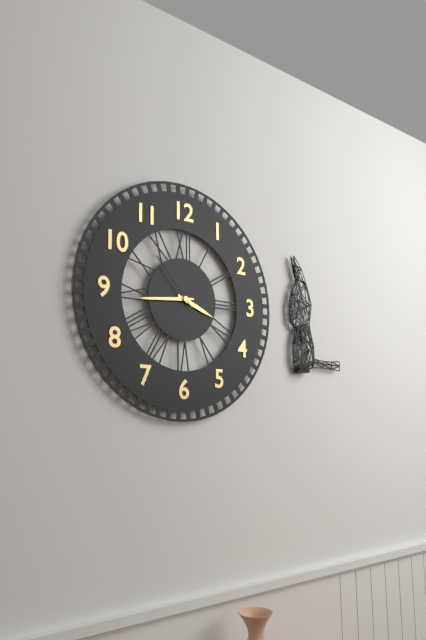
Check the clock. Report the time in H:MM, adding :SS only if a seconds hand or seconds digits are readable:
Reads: 3:44:53
